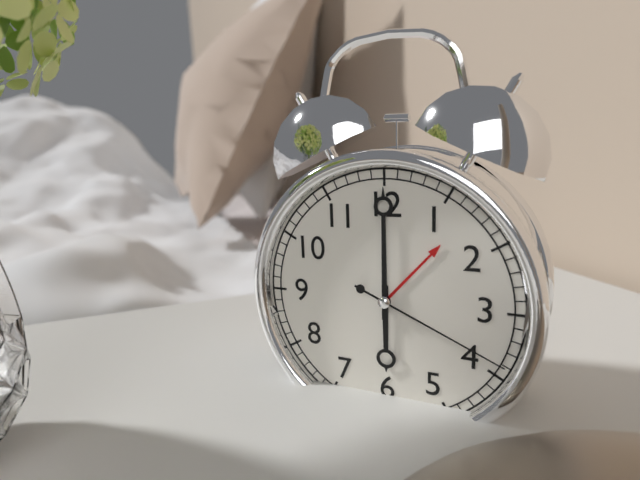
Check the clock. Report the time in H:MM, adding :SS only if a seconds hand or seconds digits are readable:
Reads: 6:00:19
